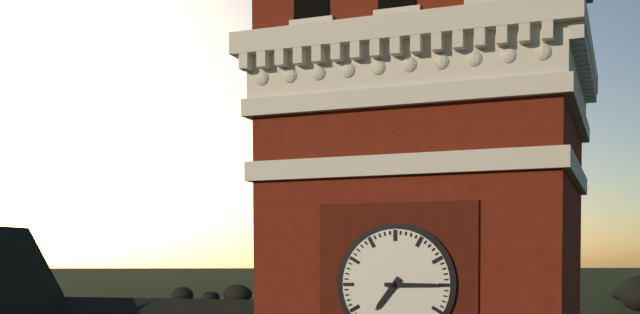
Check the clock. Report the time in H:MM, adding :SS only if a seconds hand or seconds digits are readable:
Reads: 7:15
